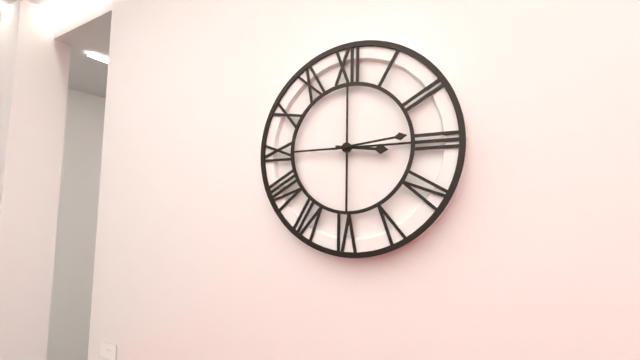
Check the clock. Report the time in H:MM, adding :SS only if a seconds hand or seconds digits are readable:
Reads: 3:14
